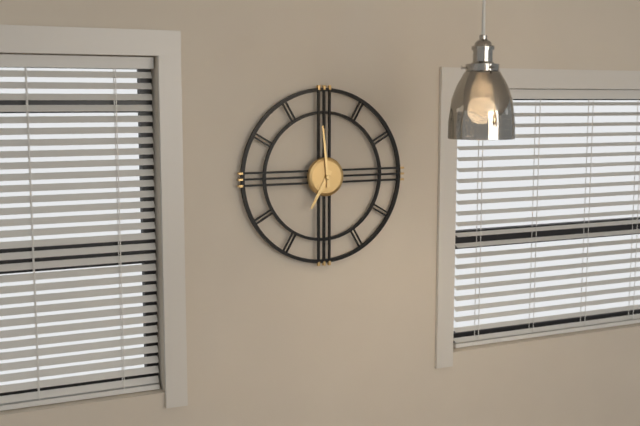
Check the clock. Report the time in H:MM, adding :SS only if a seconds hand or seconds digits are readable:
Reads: 6:59
